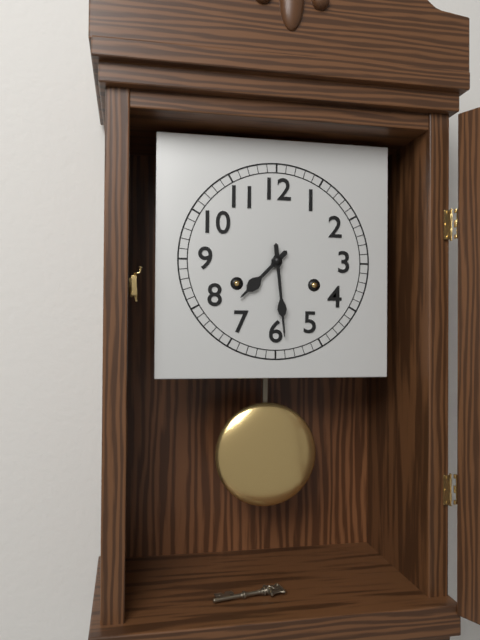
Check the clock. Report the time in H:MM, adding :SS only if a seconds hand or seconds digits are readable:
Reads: 7:29
